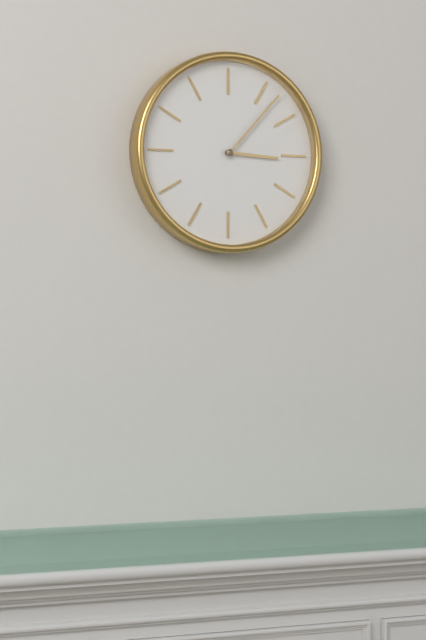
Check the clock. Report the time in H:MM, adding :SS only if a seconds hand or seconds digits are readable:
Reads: 3:07
